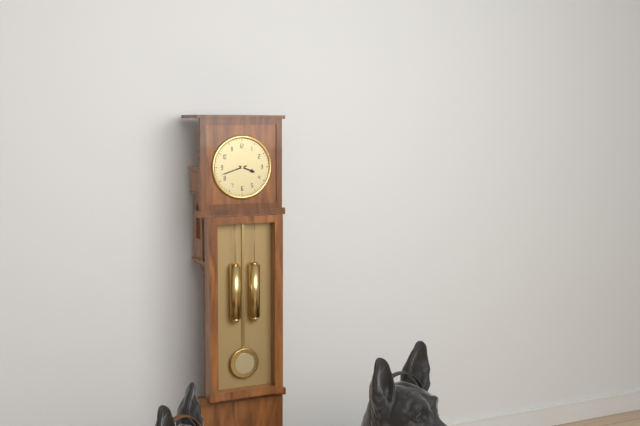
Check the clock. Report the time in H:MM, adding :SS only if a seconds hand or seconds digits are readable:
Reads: 3:42
